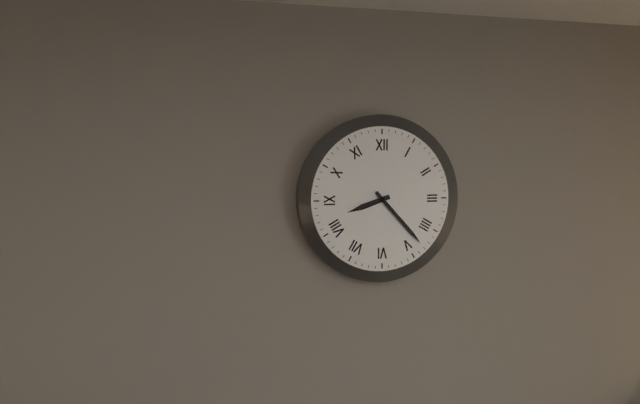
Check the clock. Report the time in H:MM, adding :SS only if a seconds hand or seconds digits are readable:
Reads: 8:23
